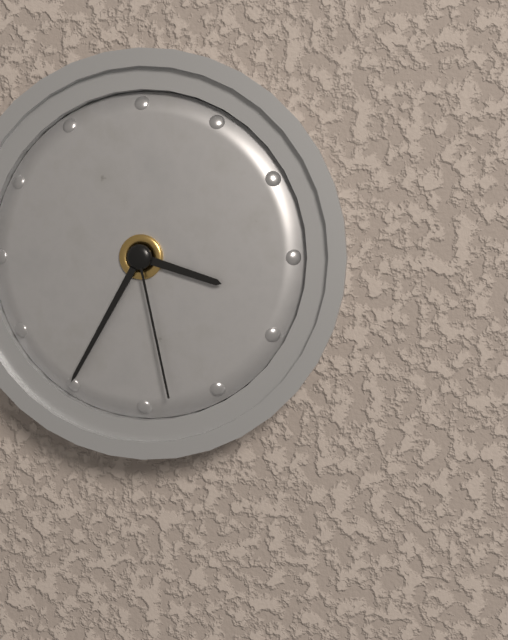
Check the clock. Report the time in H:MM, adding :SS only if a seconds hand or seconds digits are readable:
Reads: 3:35:28
